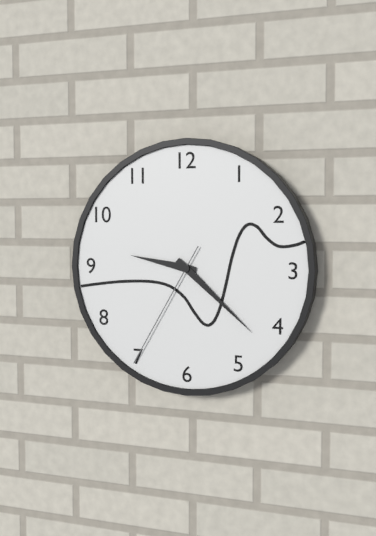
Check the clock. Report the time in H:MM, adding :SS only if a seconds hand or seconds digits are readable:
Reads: 9:22:35
